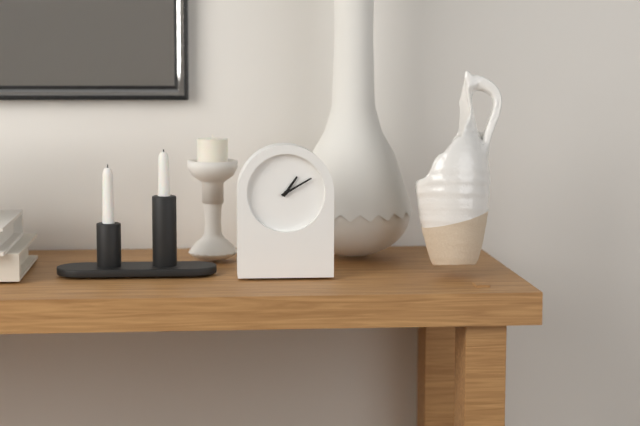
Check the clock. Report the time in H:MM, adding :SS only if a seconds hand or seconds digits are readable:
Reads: 1:10
